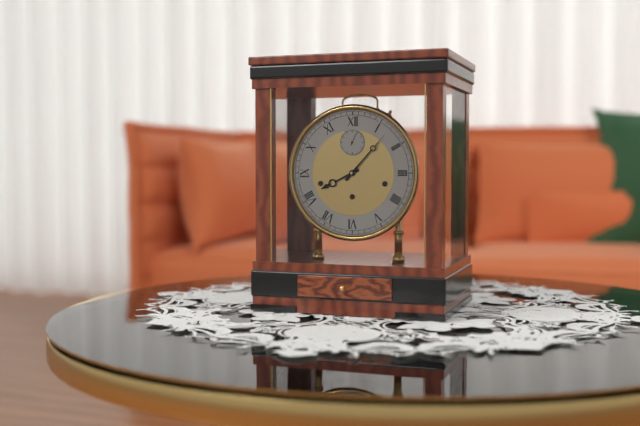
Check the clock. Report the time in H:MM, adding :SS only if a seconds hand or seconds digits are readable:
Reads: 8:07
